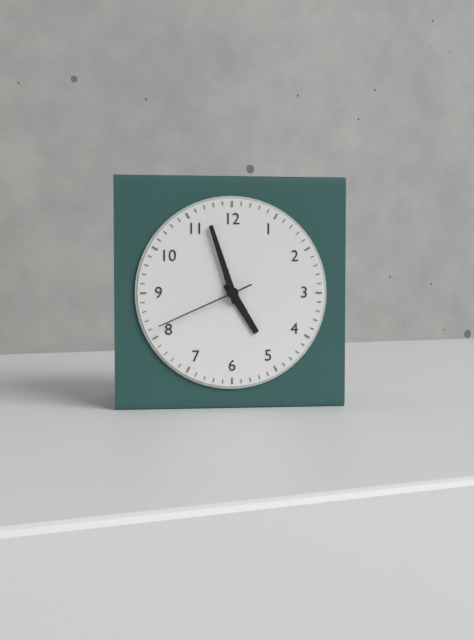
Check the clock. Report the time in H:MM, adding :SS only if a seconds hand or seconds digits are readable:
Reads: 4:57:41
